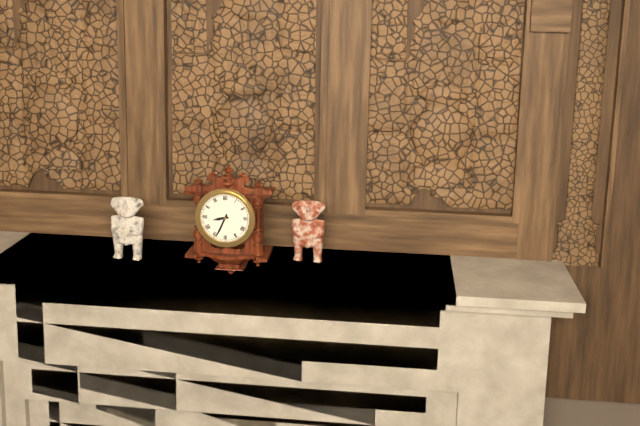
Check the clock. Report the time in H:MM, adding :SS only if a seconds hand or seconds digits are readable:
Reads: 8:34
